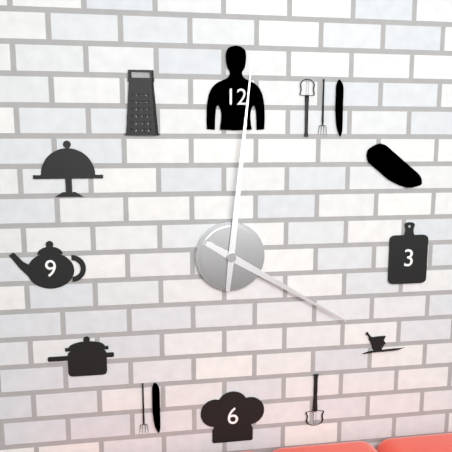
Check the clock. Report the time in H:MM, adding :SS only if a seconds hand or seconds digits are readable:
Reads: 4:01
